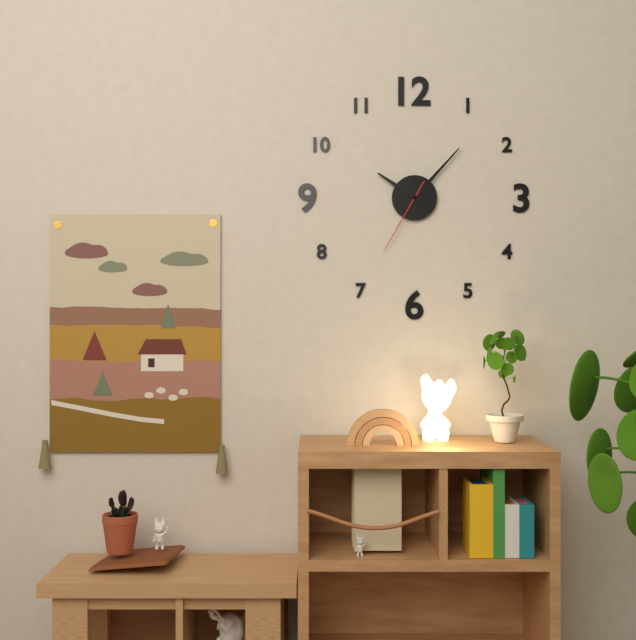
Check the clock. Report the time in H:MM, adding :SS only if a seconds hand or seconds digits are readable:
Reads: 10:07:35
